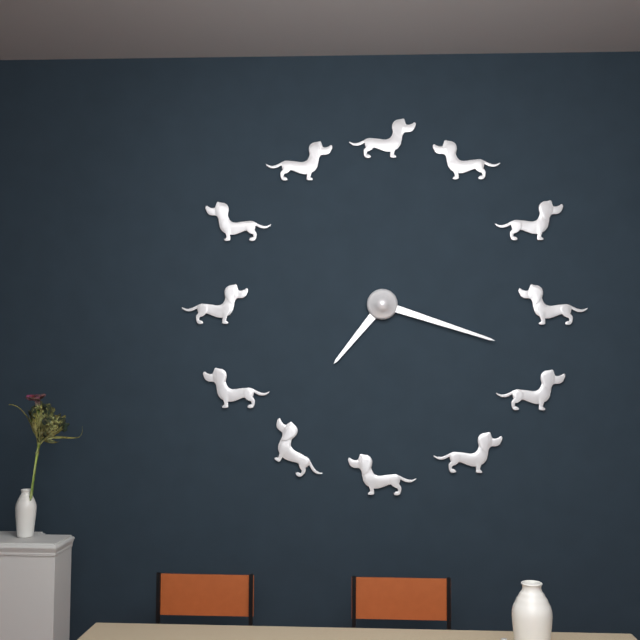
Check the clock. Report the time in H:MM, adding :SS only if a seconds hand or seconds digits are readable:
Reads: 7:18
